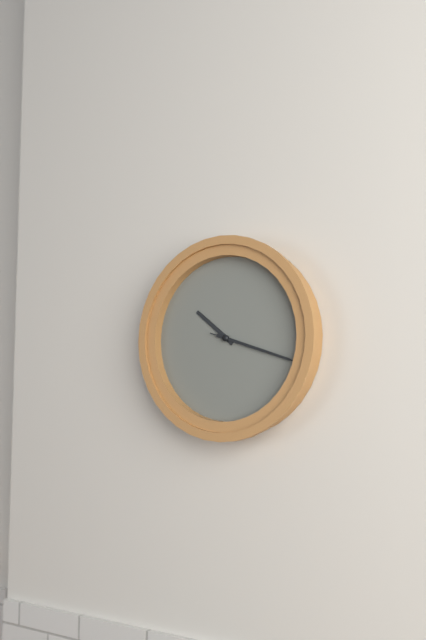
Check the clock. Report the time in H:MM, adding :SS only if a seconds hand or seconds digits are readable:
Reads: 10:18:18
